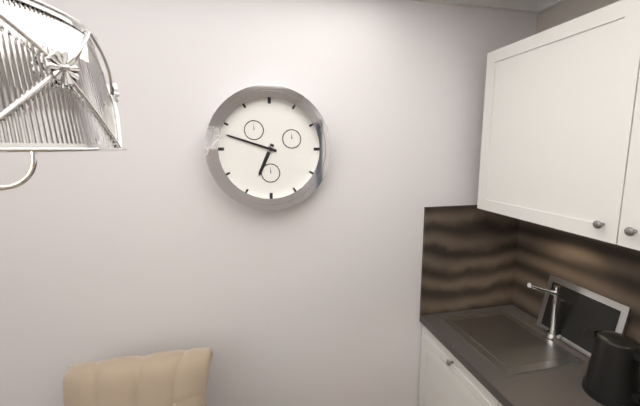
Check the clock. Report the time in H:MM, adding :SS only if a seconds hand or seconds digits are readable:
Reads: 6:48
